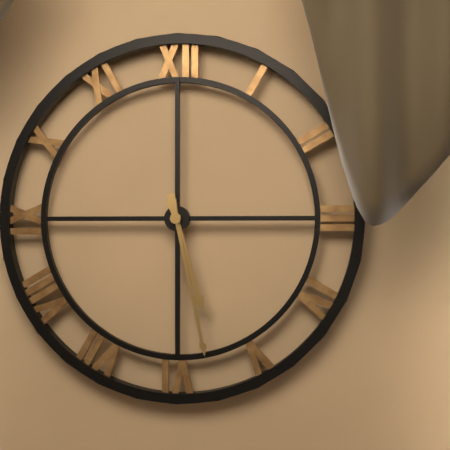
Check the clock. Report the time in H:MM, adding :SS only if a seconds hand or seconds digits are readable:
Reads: 5:28
